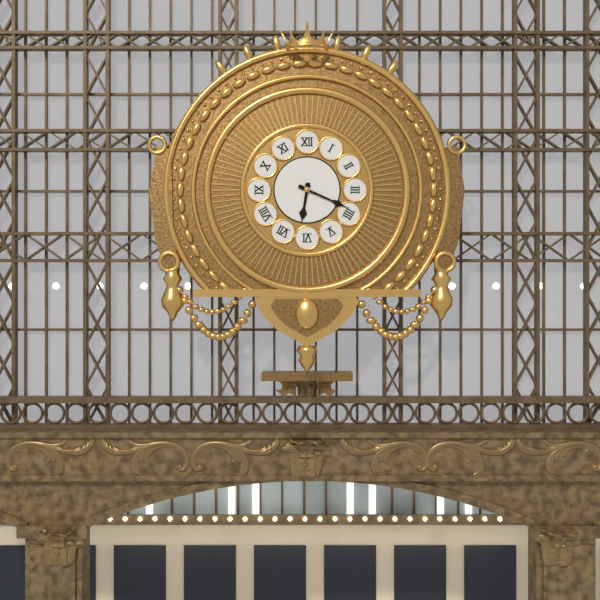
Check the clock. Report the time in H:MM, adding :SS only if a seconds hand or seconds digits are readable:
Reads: 6:19
